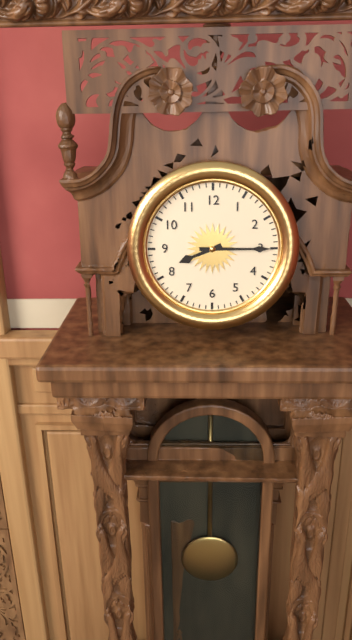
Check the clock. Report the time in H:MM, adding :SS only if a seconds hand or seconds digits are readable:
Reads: 8:15
